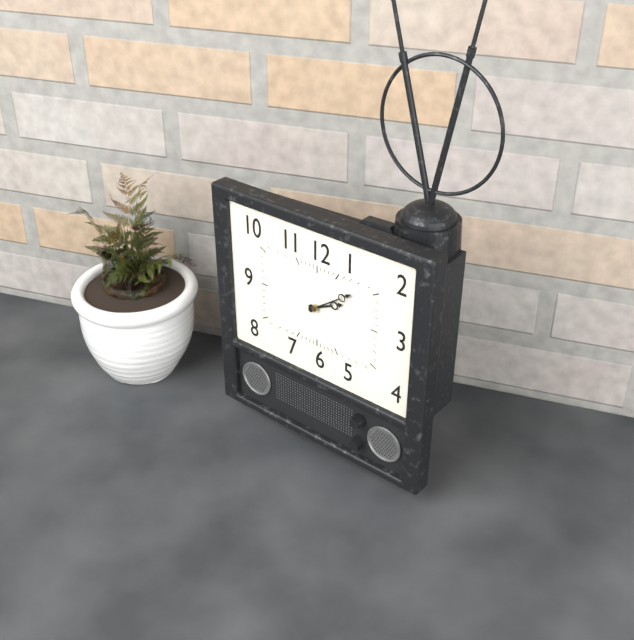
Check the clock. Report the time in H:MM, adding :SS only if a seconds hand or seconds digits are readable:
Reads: 2:09
